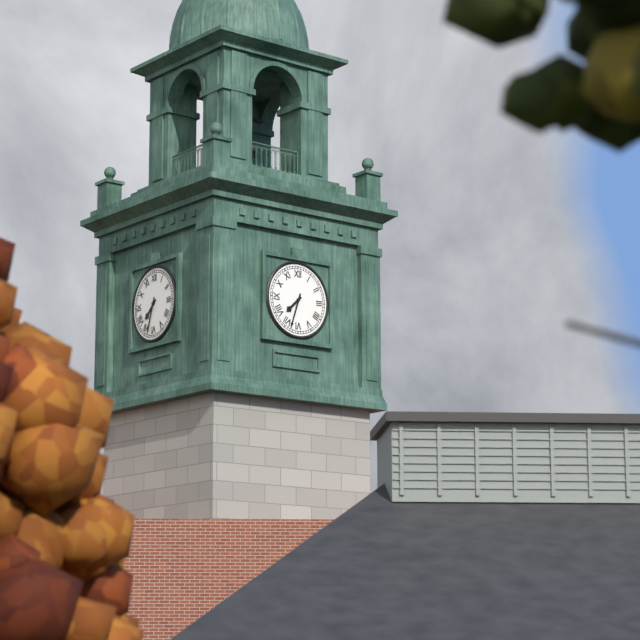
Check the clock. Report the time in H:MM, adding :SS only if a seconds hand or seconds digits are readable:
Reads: 7:33
